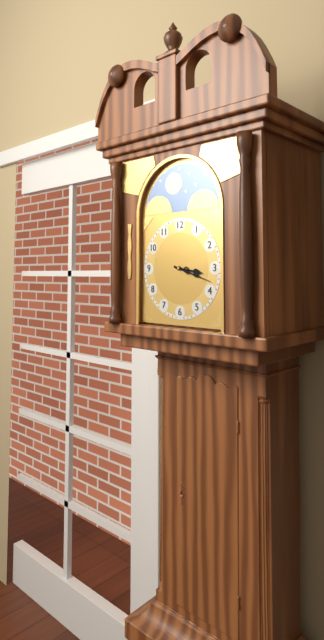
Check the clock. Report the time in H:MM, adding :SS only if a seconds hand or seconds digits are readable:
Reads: 3:18
